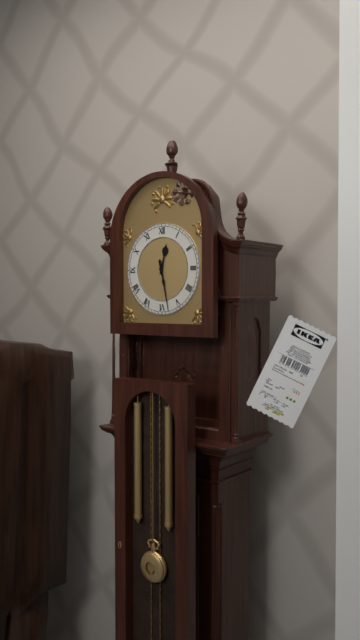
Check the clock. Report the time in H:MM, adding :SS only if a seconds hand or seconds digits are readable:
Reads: 12:28
